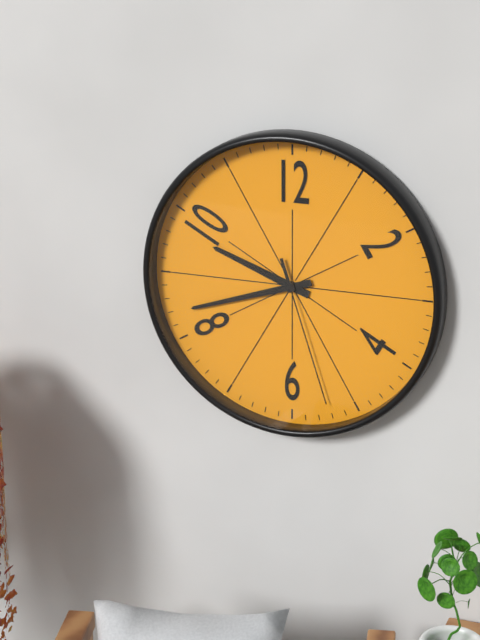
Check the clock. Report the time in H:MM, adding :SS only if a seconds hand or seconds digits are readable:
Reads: 9:42:27
